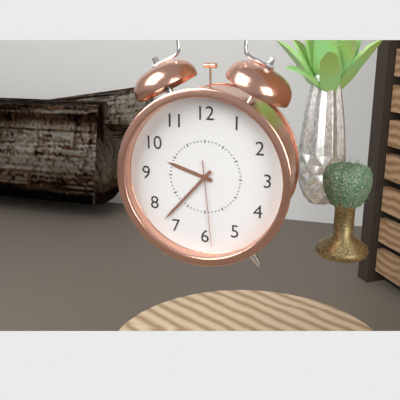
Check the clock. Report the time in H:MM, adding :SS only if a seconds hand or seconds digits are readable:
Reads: 9:37:29
